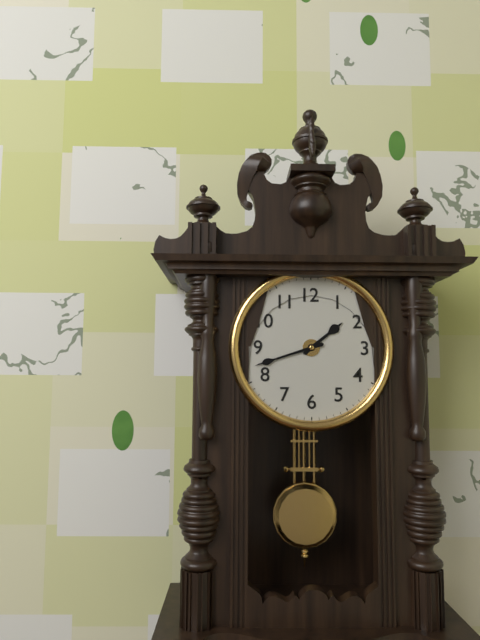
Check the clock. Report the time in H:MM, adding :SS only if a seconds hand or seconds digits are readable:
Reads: 1:42
